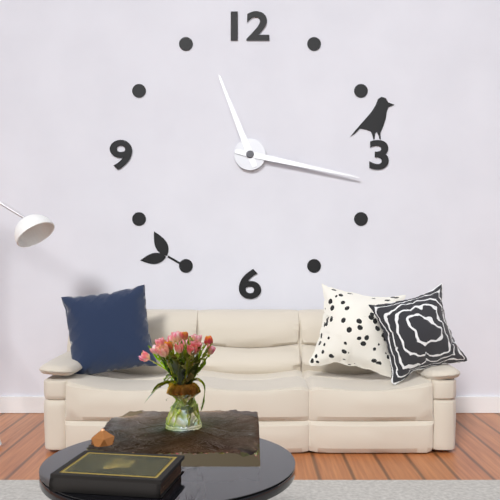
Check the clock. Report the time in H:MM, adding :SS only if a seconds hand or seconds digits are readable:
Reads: 11:17
